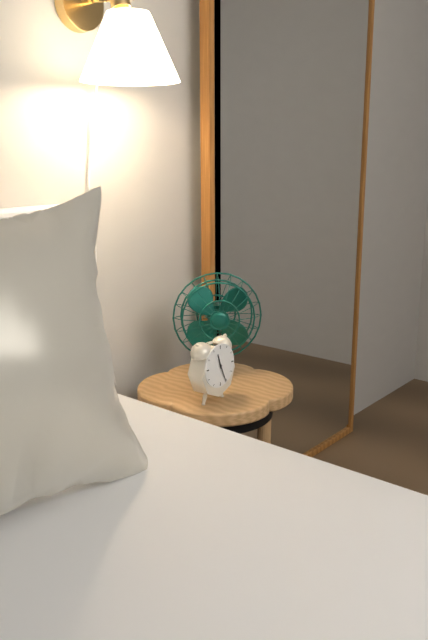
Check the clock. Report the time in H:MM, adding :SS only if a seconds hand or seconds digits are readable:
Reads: 11:26
